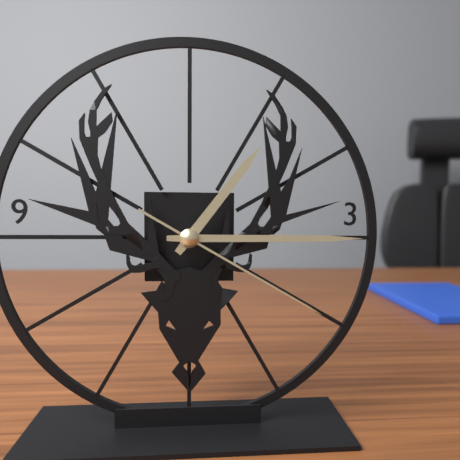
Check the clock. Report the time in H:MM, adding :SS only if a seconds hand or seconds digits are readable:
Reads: 1:15:20
